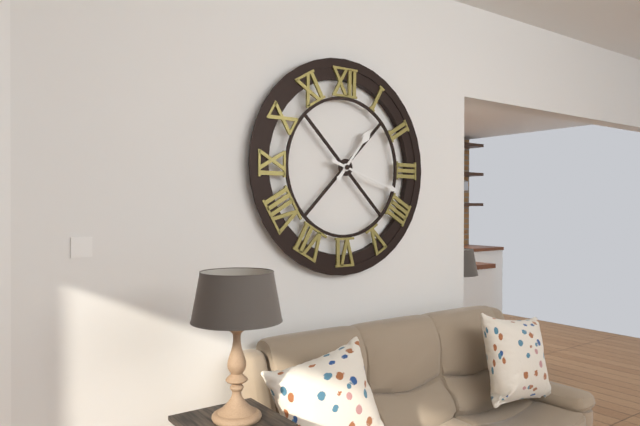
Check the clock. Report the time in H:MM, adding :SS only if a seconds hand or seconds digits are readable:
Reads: 1:18
